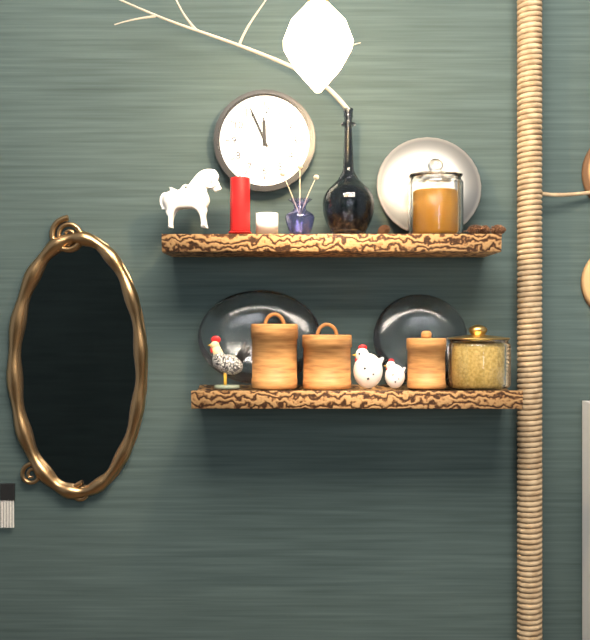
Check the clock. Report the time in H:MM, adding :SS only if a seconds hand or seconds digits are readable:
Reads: 11:56
